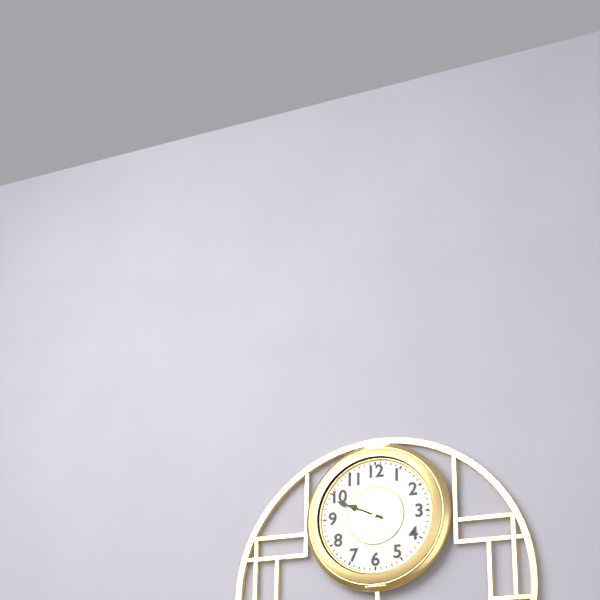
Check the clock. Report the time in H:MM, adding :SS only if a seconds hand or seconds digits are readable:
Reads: 9:49
